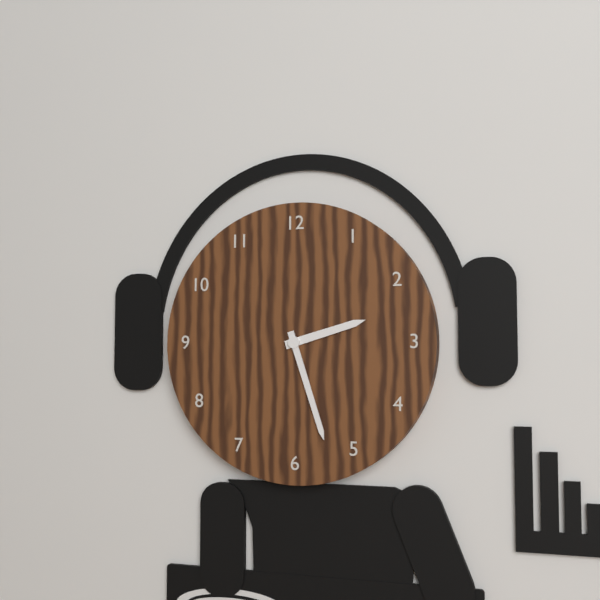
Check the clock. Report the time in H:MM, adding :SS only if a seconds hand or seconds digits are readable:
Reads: 2:27
